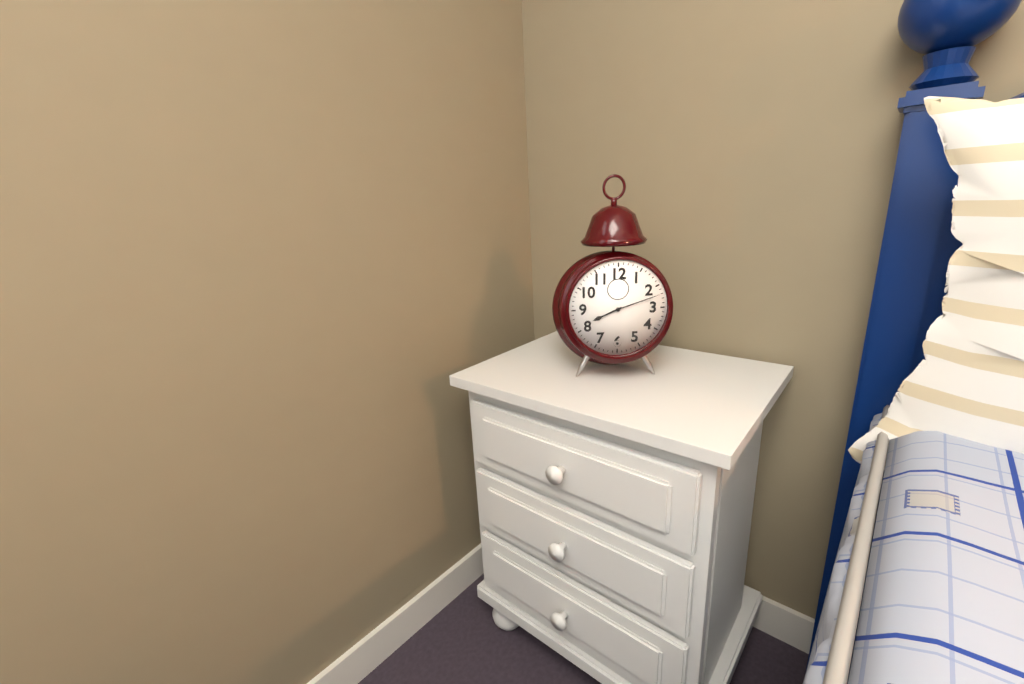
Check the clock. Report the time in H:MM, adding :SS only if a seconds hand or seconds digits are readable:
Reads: 8:12
